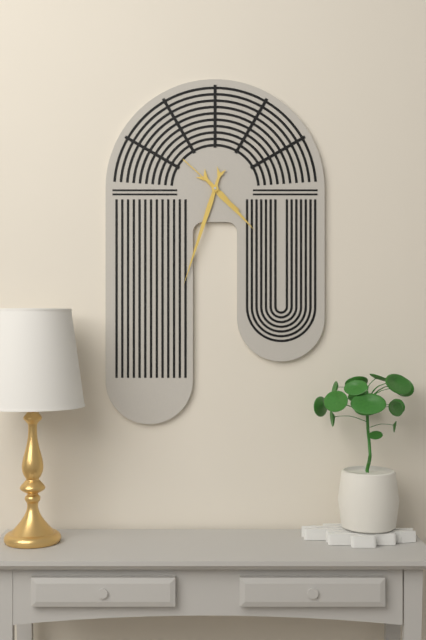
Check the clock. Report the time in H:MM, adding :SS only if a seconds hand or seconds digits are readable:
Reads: 4:33:52
